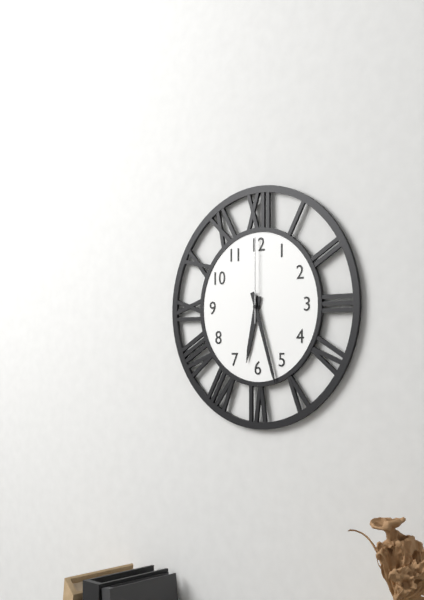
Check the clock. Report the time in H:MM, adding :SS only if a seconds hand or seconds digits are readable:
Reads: 6:27:00
